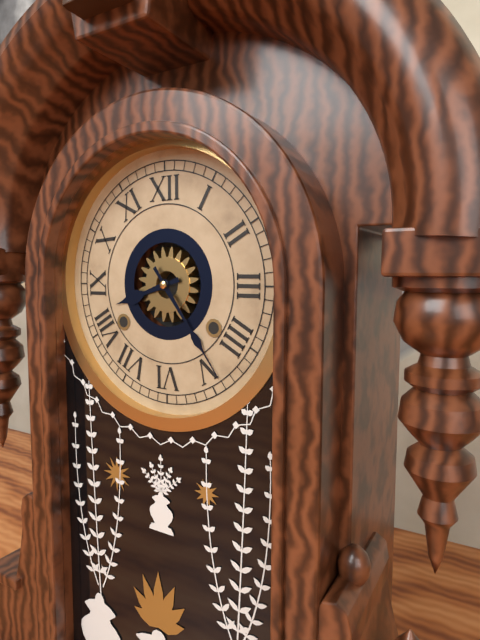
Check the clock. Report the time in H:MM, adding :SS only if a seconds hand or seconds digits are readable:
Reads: 8:24
